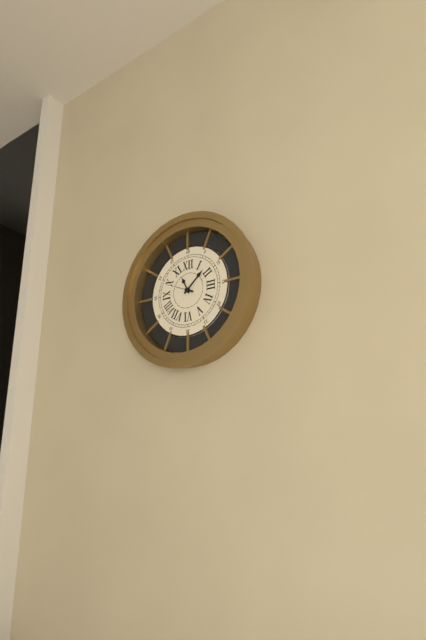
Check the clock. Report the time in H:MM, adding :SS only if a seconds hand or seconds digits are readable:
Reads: 11:08
